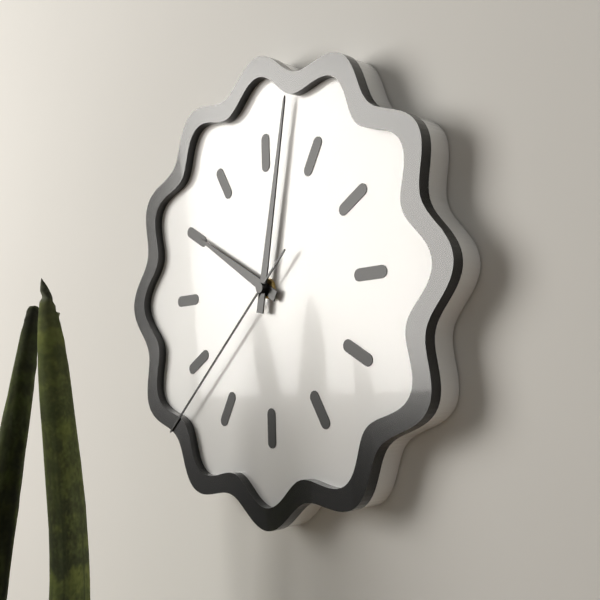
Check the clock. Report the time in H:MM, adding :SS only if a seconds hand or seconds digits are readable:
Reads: 10:02:38
